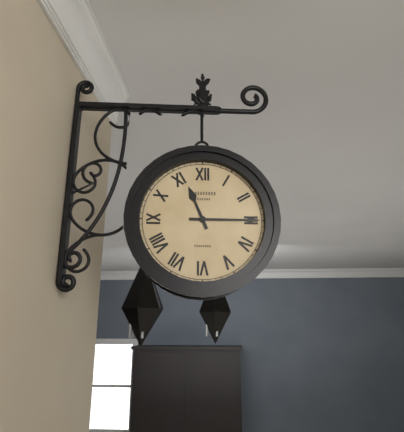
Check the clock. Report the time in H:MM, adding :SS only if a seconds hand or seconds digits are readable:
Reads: 11:15
